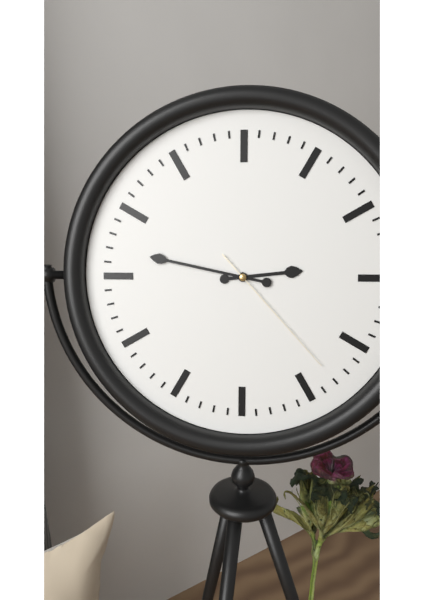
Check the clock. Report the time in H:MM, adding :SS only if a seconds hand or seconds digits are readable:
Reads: 2:47:23
